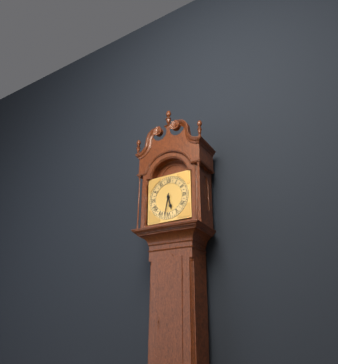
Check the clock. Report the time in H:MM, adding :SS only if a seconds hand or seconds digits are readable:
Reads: 5:32
